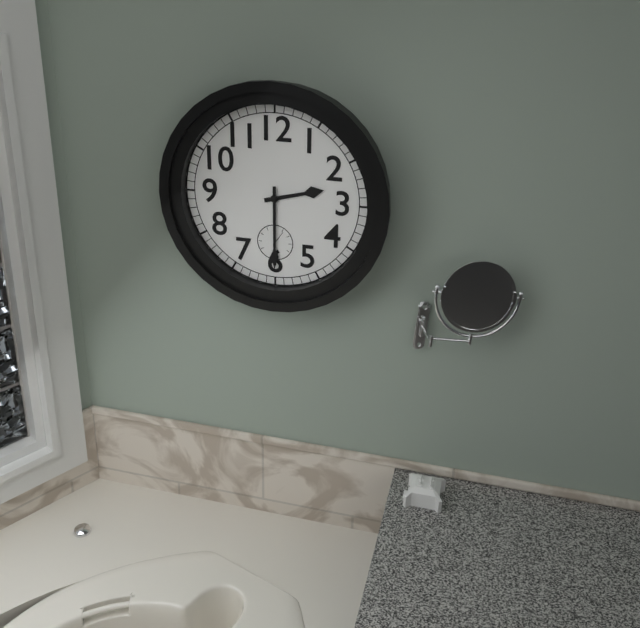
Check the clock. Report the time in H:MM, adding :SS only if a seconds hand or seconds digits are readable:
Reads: 2:30
